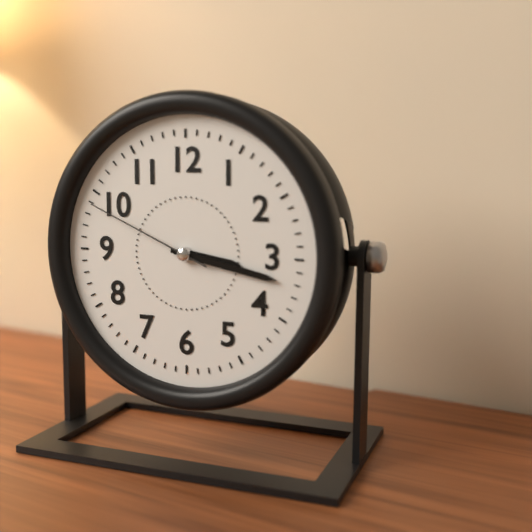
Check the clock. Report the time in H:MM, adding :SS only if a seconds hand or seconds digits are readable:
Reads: 3:17:49
